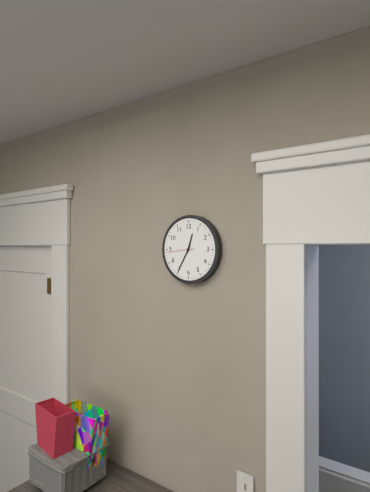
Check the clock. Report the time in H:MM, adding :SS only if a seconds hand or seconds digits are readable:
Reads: 12:35
